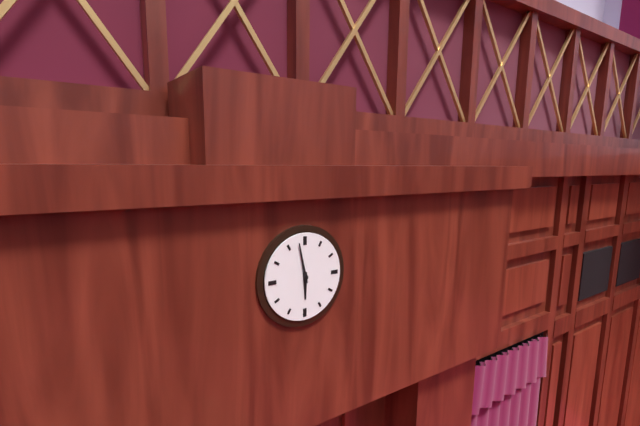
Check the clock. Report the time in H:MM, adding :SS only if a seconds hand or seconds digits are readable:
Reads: 5:58
